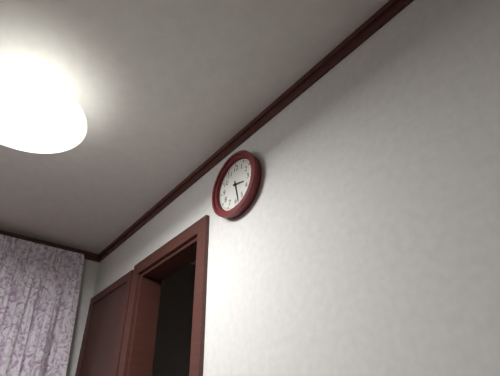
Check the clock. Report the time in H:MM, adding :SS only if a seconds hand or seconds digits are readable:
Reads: 3:28
